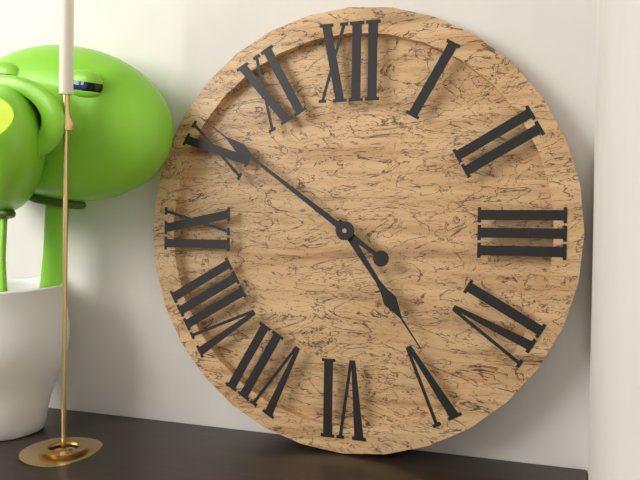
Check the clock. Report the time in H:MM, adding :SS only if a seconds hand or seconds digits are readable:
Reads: 4:51
